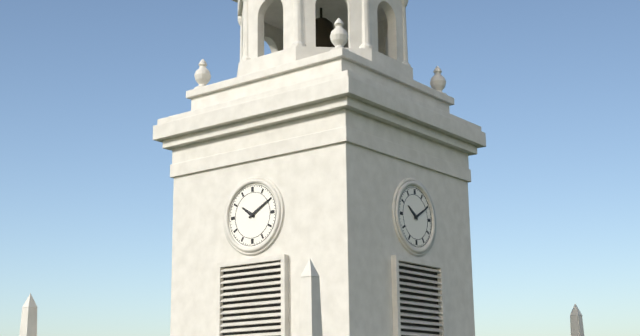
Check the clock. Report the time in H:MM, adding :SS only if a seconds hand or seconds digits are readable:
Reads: 10:10
